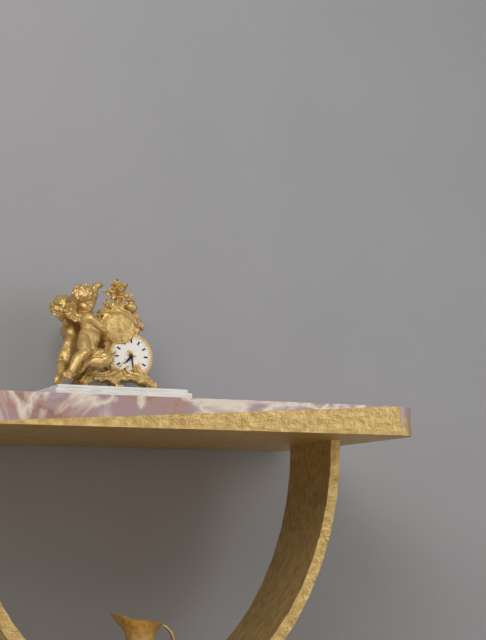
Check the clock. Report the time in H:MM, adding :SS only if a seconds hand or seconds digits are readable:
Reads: 7:29
